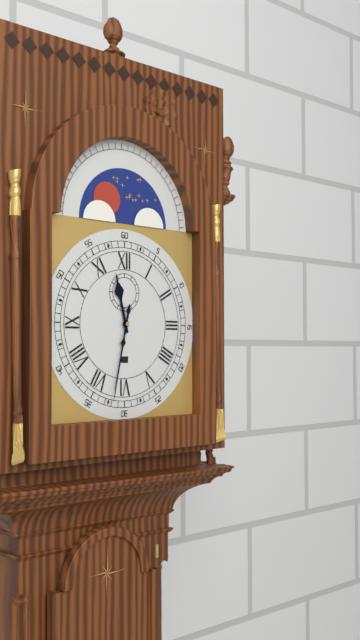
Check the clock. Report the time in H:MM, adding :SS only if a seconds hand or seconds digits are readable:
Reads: 11:32
